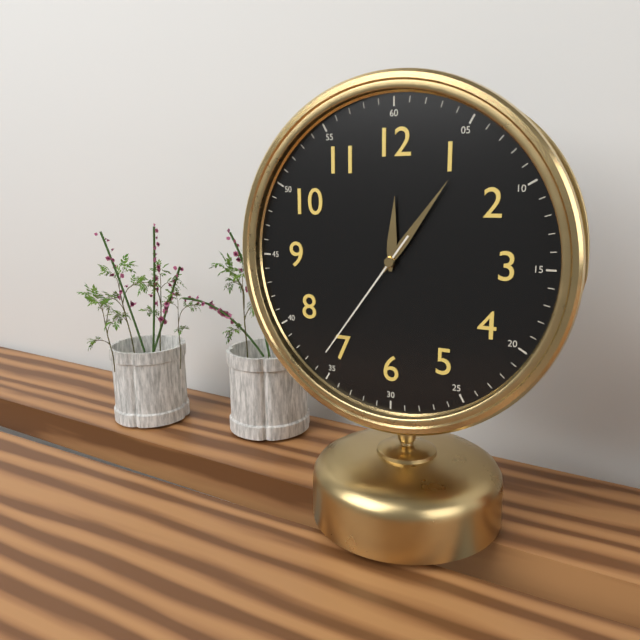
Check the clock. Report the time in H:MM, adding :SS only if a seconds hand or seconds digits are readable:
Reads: 12:06:36
